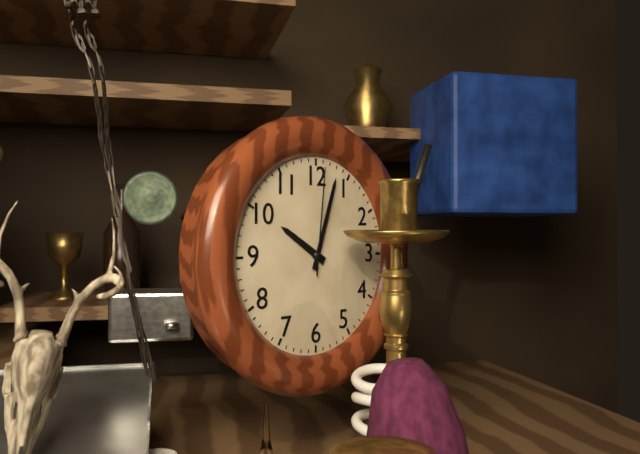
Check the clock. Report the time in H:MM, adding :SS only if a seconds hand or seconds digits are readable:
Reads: 10:03:01
